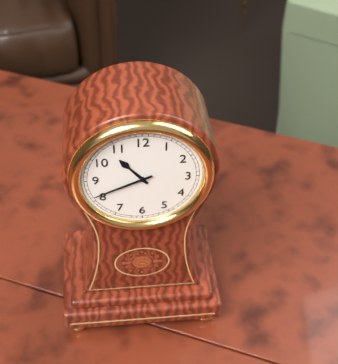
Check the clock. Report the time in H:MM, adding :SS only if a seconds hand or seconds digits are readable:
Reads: 10:41
